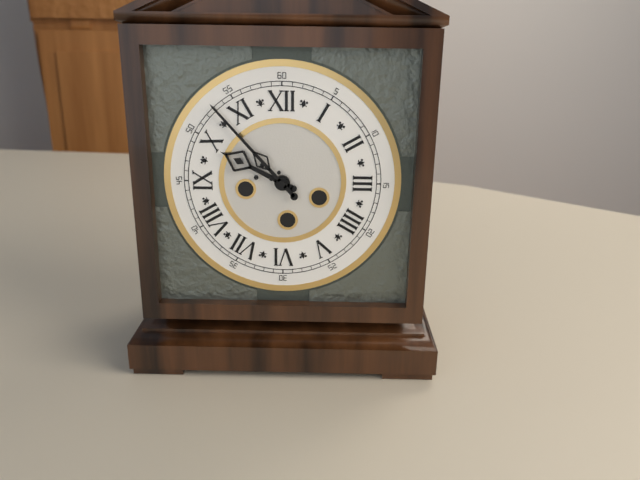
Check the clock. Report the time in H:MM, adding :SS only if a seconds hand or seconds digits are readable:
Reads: 9:53
